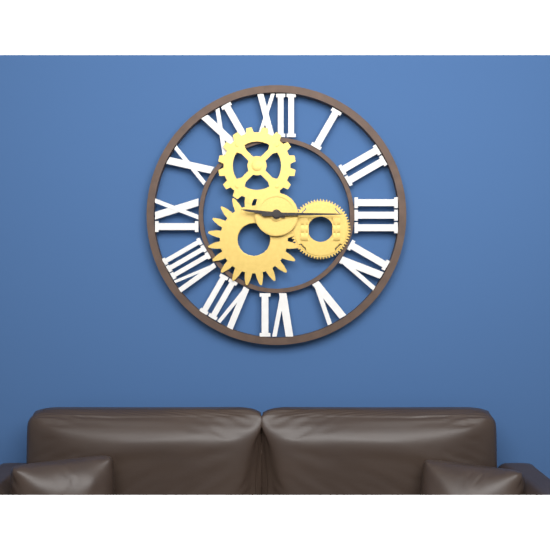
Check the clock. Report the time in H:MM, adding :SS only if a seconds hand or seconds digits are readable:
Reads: 9:15
